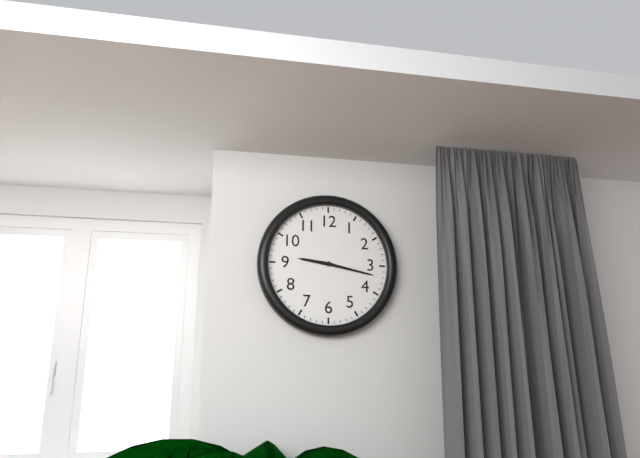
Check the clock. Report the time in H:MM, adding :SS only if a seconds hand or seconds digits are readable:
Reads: 9:17
